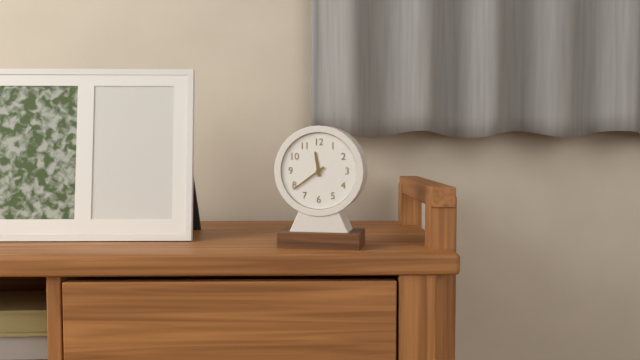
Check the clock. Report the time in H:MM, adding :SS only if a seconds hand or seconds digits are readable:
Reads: 11:39
